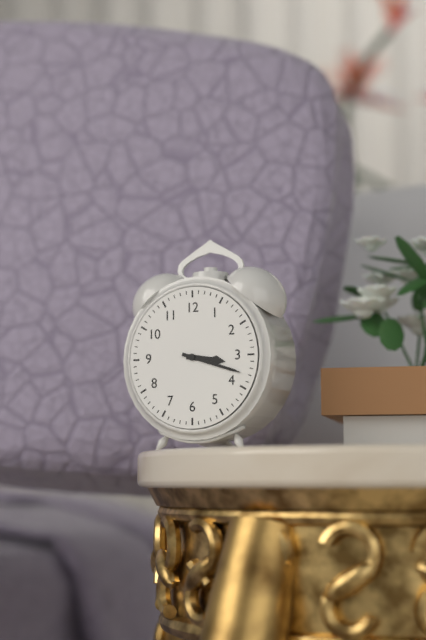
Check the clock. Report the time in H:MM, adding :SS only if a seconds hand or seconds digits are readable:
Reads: 3:18
